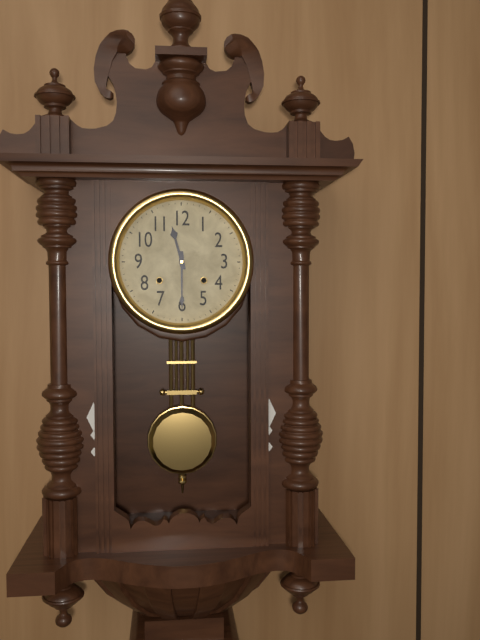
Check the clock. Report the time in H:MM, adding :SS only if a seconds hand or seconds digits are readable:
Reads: 11:30
